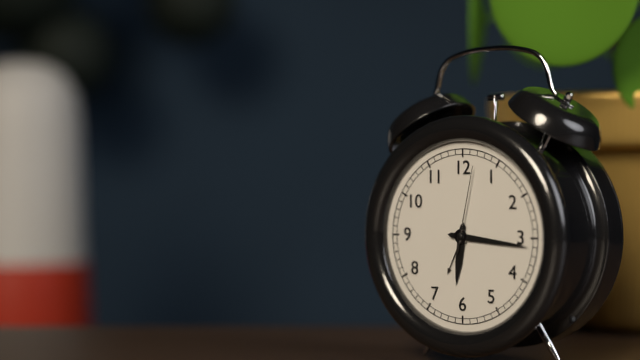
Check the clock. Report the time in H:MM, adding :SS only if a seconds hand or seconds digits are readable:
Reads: 6:16:02
